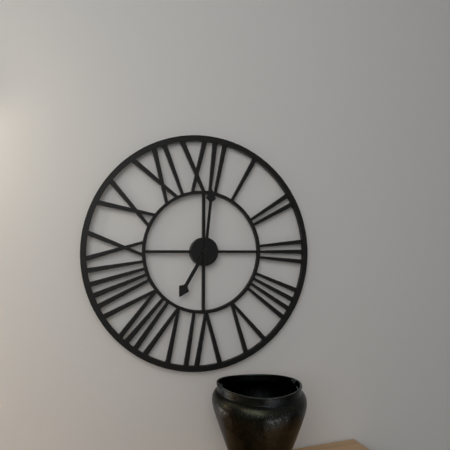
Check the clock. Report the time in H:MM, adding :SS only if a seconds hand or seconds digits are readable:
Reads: 7:01
